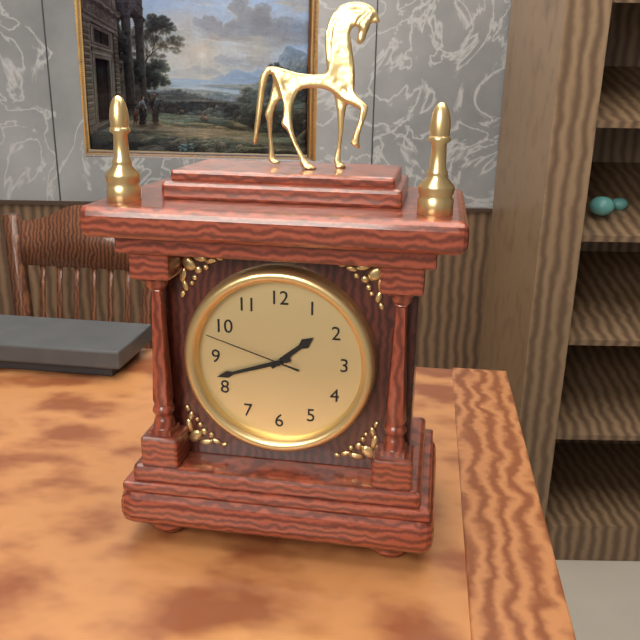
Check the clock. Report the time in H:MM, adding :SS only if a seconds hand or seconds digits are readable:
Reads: 1:42:48
